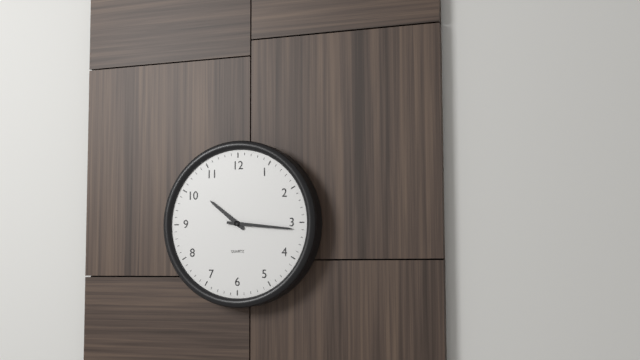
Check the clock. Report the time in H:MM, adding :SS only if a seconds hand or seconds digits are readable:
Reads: 10:16
